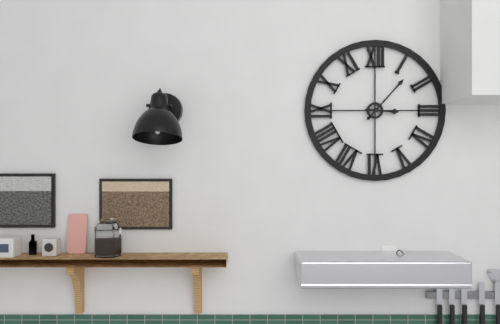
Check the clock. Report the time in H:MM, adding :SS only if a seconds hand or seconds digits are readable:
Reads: 3:07
